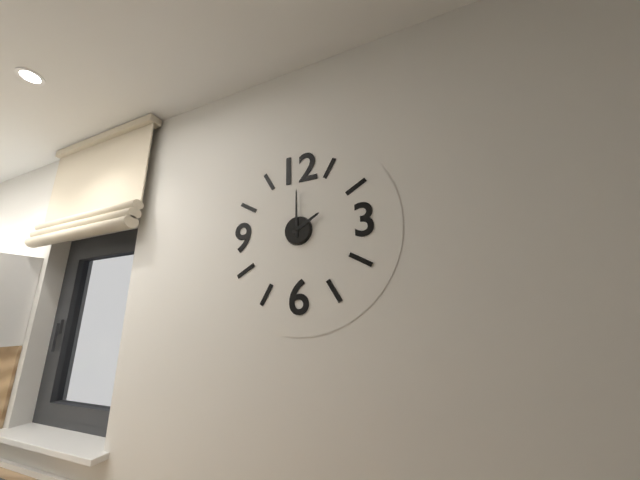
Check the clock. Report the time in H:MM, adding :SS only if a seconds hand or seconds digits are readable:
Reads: 2:00
